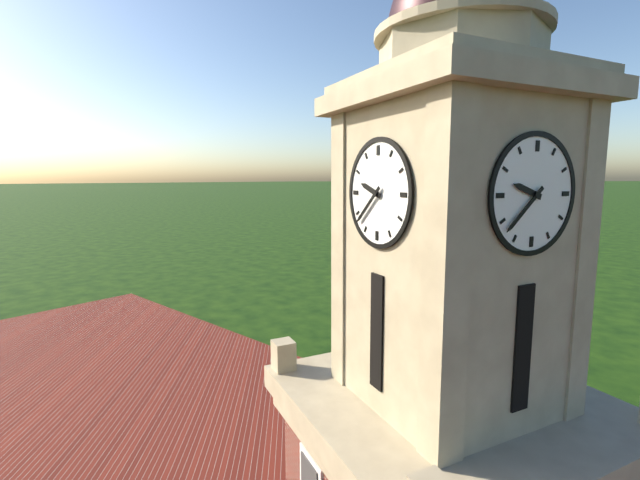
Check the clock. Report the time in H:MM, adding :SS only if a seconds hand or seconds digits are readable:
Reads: 9:38
